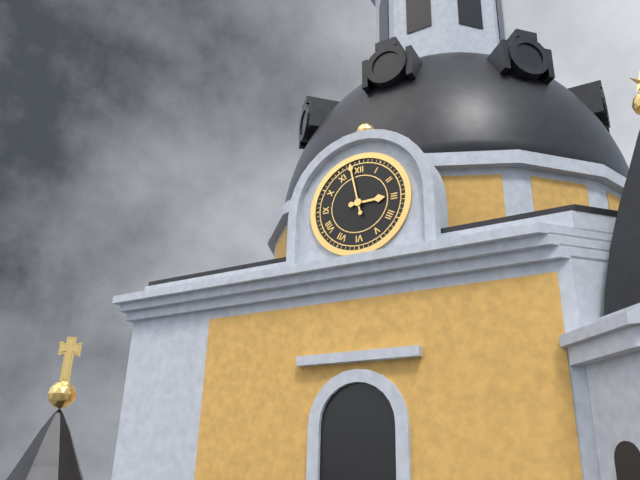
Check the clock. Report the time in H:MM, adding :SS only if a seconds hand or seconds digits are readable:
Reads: 2:58
